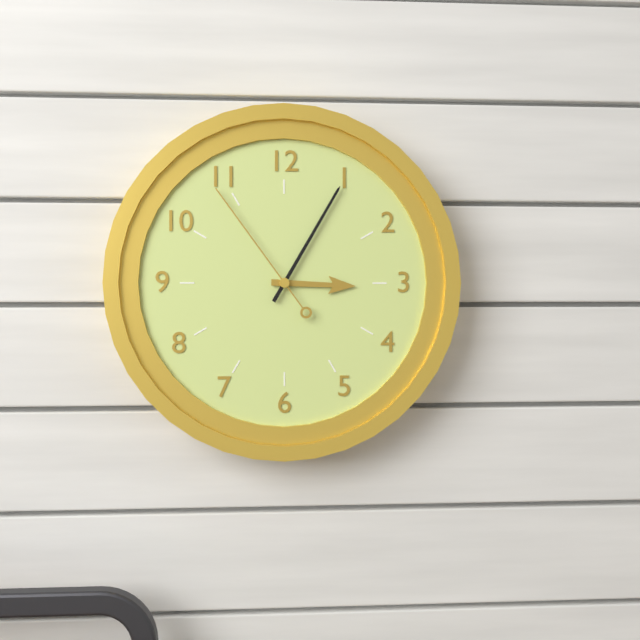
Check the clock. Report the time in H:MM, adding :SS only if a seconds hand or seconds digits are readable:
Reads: 3:05:54
